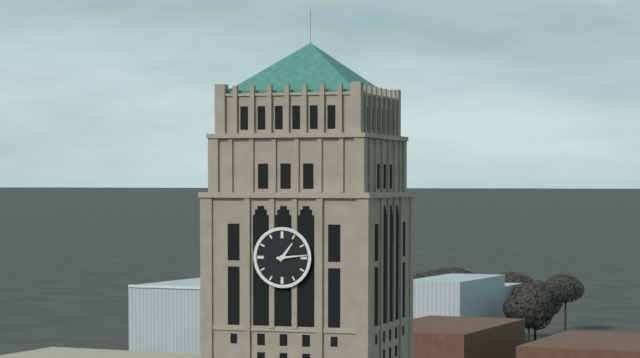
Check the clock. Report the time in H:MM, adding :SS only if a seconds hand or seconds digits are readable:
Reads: 1:14
